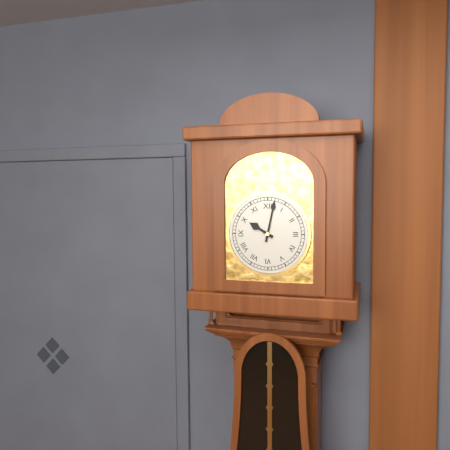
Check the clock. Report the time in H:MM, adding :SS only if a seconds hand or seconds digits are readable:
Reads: 10:02
